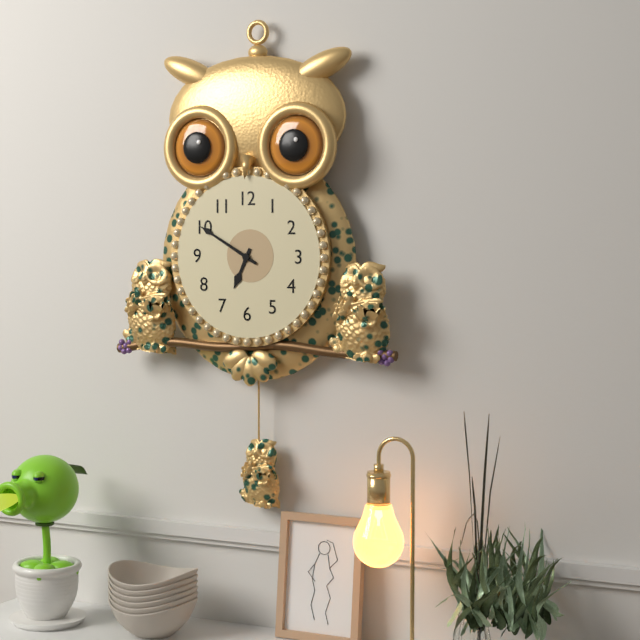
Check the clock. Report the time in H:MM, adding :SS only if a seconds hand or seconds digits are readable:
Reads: 6:50
